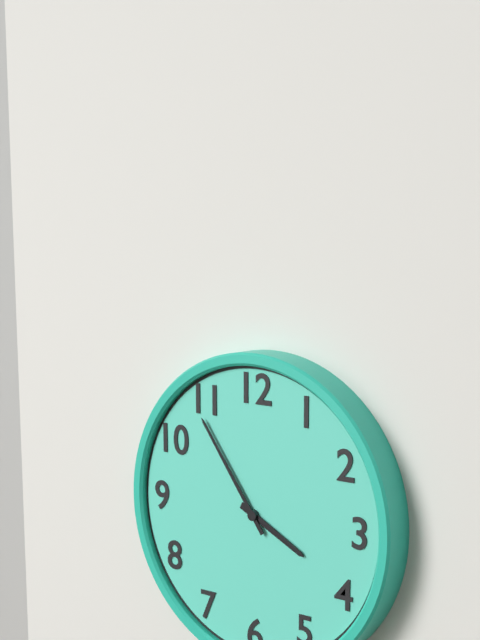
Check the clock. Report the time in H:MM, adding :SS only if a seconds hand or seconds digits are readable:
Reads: 3:54
